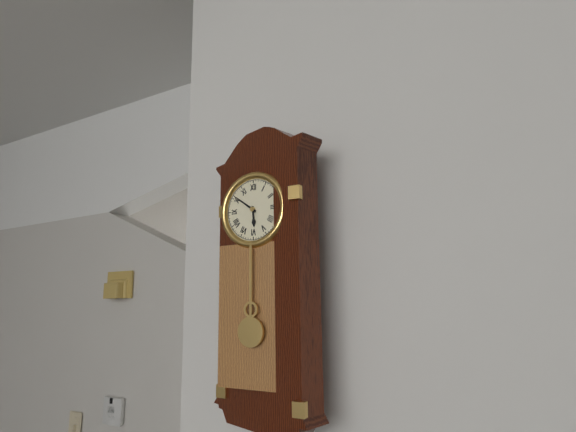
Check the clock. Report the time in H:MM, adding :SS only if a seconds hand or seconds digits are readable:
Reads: 5:51
